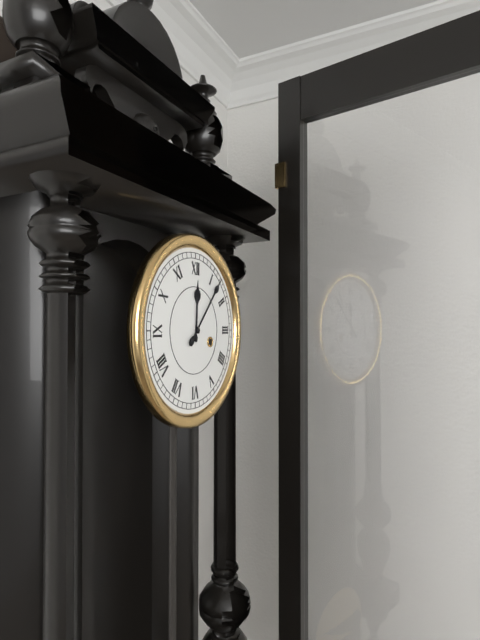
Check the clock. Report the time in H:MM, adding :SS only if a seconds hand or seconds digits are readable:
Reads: 12:07
